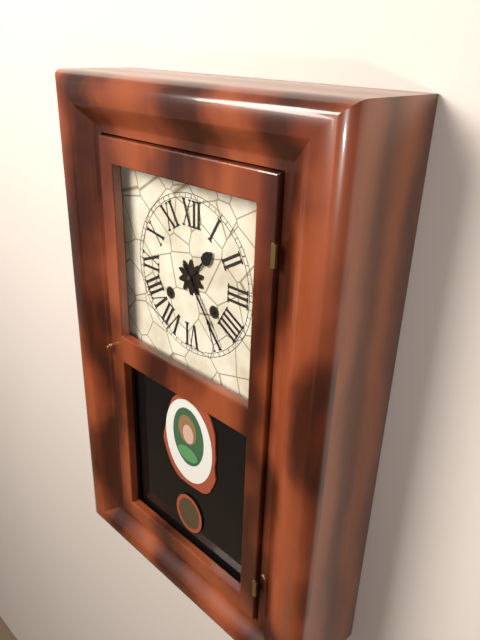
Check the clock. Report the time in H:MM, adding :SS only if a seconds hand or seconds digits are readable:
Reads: 1:24
